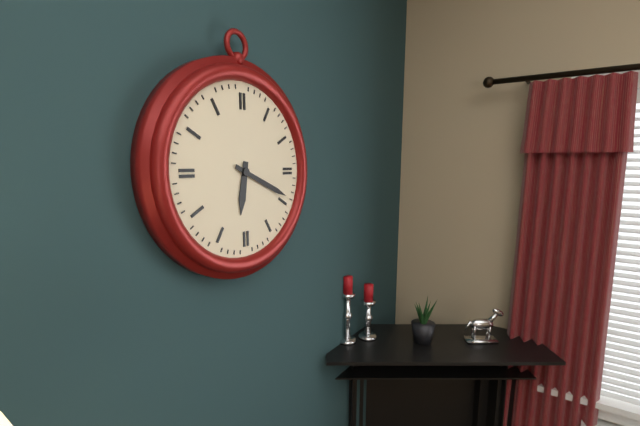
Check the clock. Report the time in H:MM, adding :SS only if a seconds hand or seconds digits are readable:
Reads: 6:19
